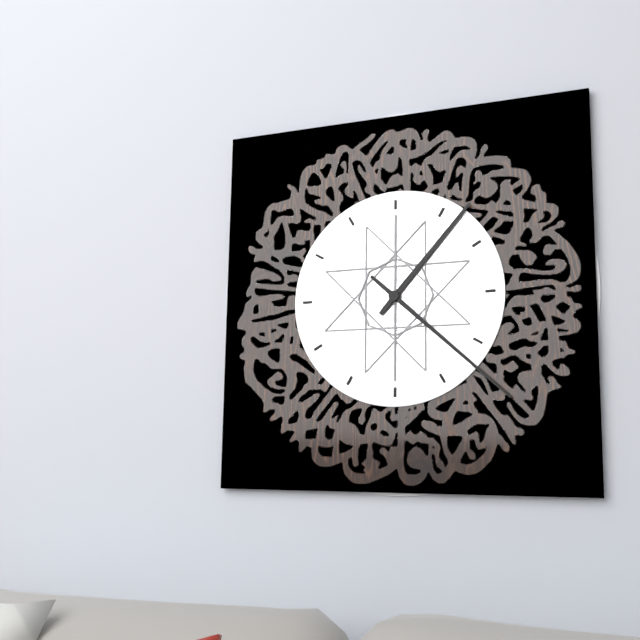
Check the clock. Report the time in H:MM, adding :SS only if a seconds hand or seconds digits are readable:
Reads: 1:22
